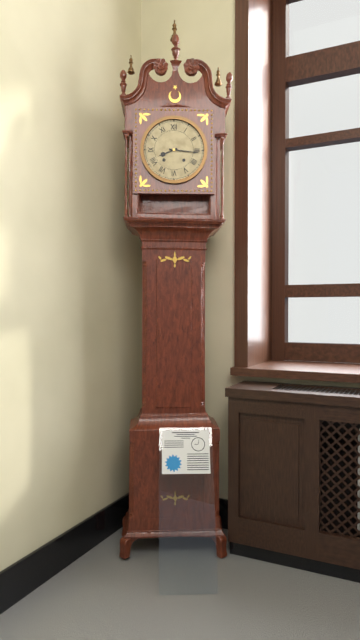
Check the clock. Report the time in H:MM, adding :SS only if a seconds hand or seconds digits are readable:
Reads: 8:16
